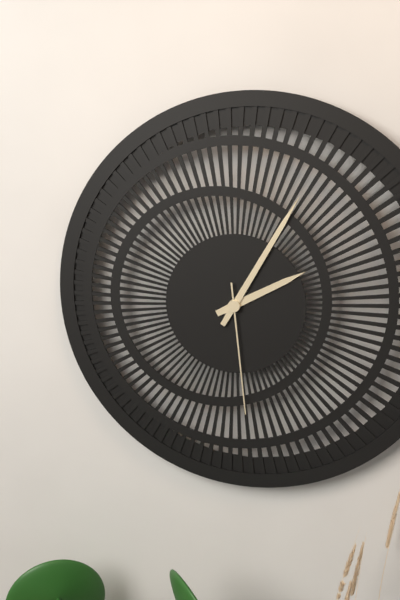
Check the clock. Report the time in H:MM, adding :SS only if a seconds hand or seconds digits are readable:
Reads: 2:05:29
